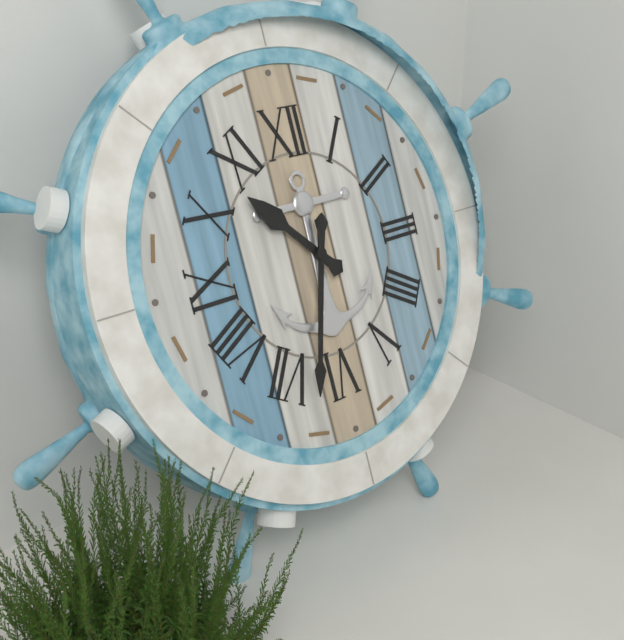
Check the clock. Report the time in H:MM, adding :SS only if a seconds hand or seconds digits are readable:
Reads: 10:33
